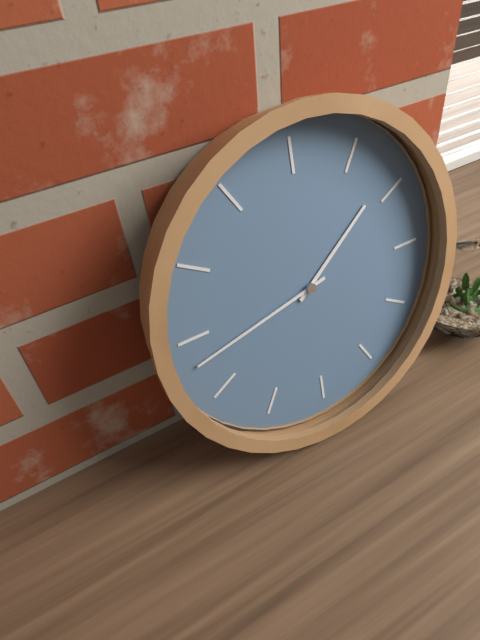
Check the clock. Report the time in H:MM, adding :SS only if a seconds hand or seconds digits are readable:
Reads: 1:43
